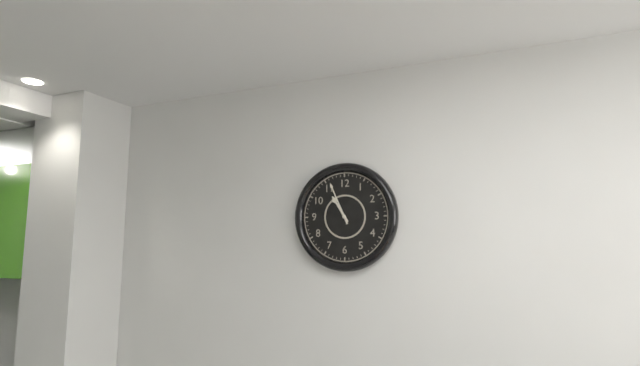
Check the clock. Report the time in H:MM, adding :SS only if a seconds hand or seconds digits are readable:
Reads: 10:56
